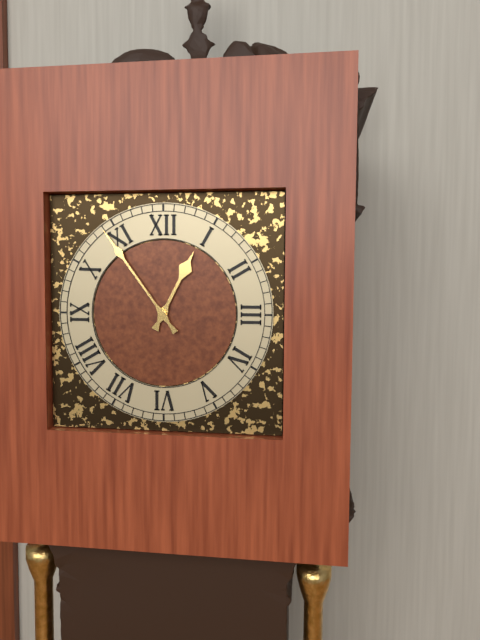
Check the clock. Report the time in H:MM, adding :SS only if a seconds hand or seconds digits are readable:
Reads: 12:54
